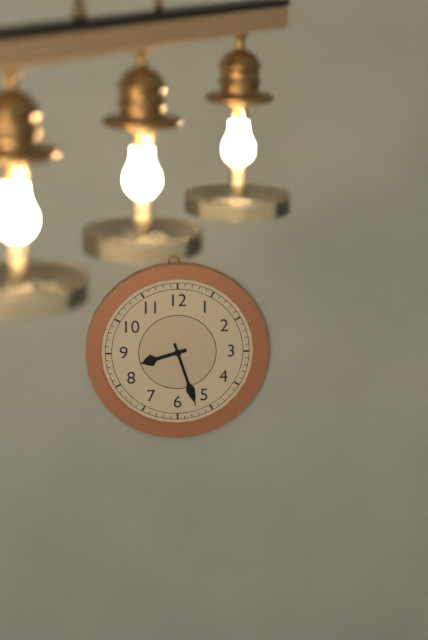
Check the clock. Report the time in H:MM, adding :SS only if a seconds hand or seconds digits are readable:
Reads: 8:27
